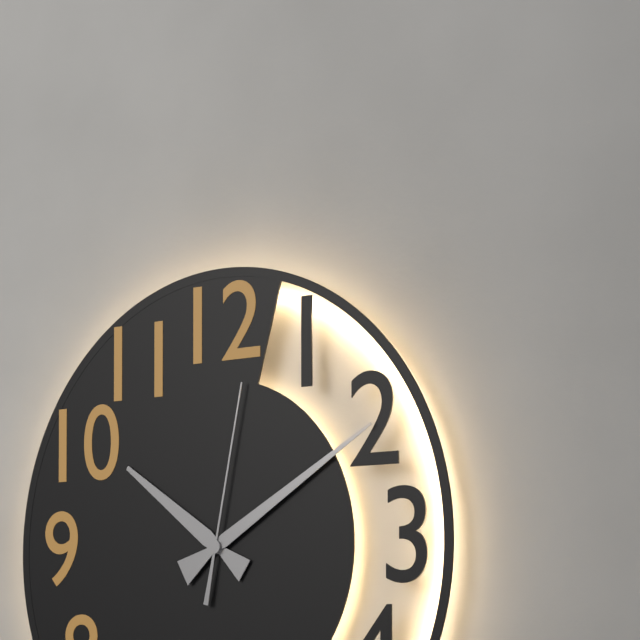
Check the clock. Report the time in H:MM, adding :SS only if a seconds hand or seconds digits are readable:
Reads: 10:10:02
